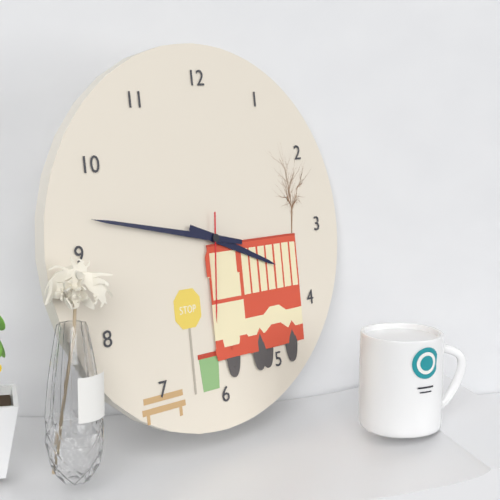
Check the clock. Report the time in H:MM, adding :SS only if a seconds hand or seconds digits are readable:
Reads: 3:47:31
